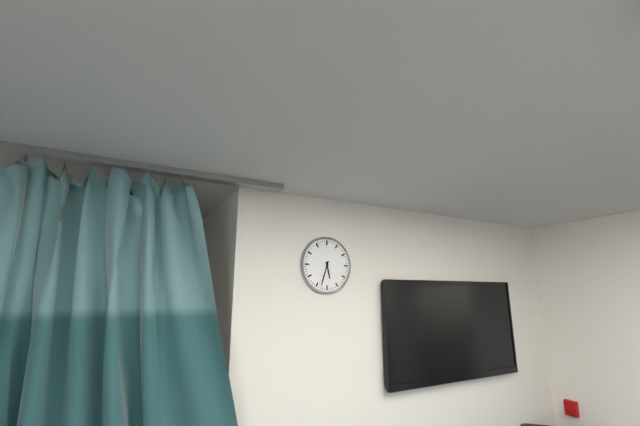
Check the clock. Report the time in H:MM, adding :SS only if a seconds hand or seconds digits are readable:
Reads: 5:33
